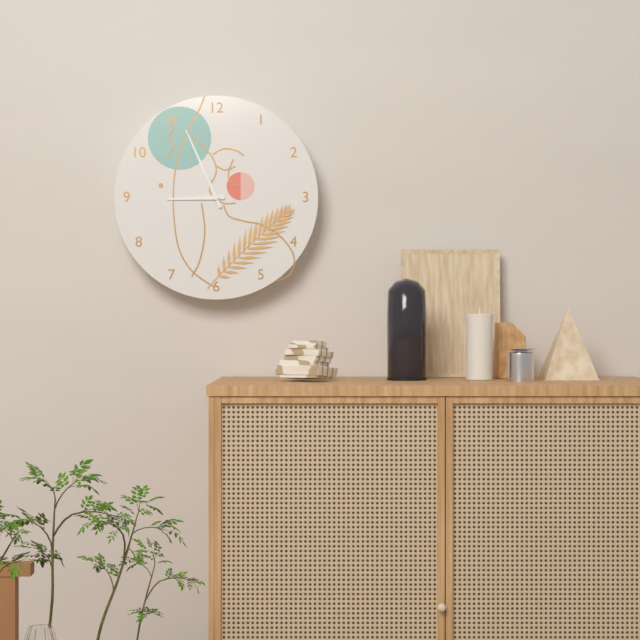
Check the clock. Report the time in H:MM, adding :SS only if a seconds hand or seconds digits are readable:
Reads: 8:56
